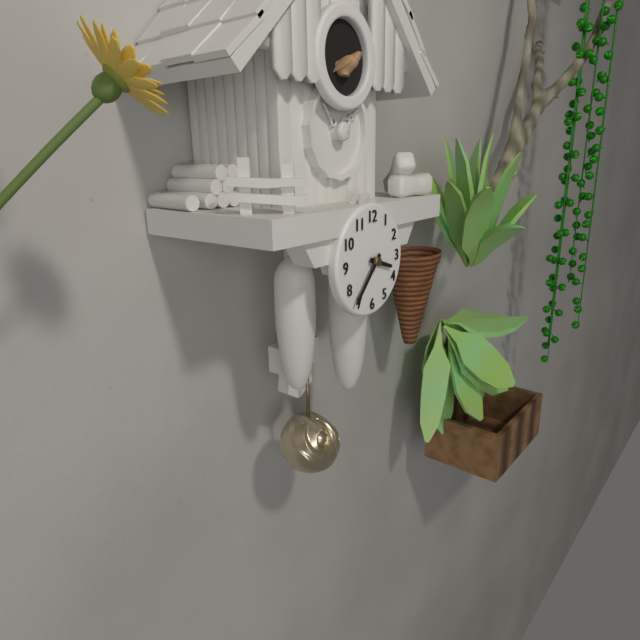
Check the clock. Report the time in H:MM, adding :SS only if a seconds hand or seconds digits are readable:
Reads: 3:37
